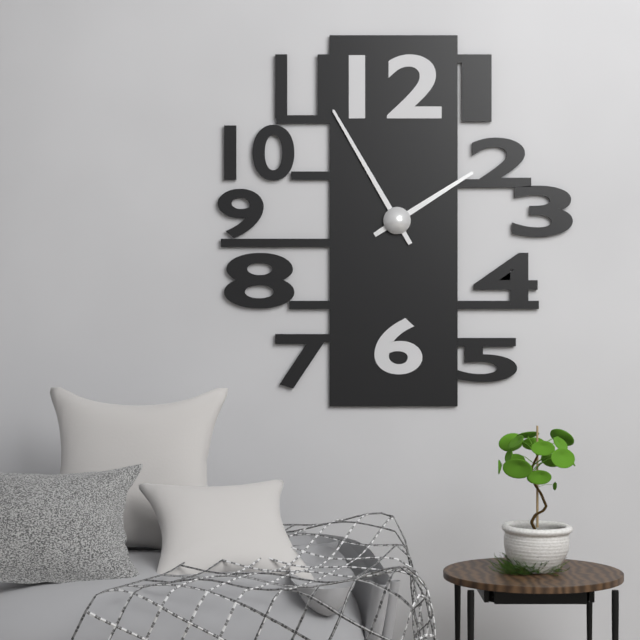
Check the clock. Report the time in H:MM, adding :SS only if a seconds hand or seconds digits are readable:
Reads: 1:55
